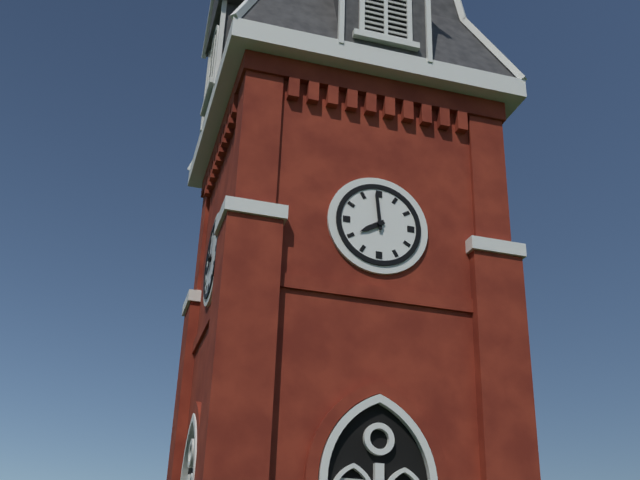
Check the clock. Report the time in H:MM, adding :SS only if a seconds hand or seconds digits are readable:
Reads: 7:59
